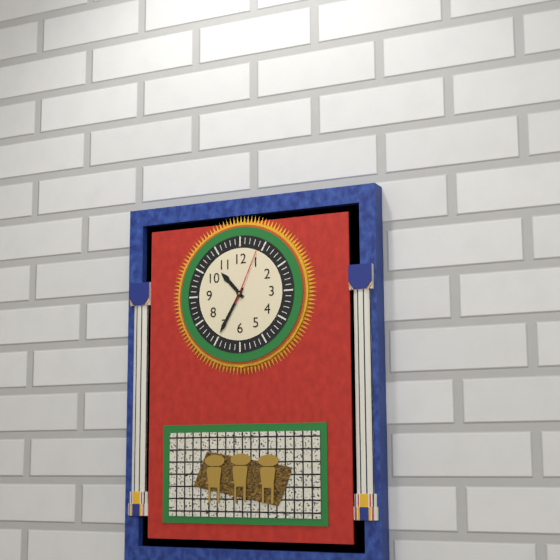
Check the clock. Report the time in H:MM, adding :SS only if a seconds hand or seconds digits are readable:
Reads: 10:35:04
